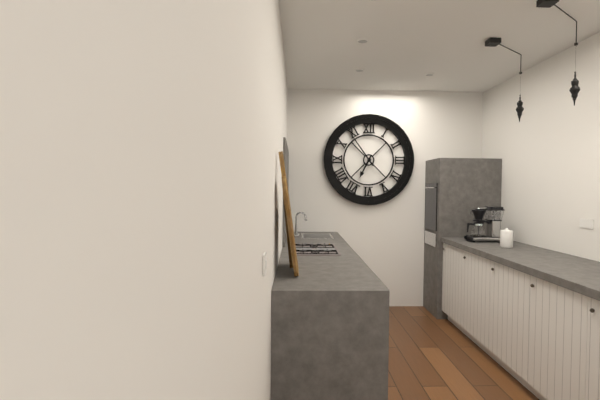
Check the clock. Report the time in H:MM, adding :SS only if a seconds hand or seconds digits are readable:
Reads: 6:54
